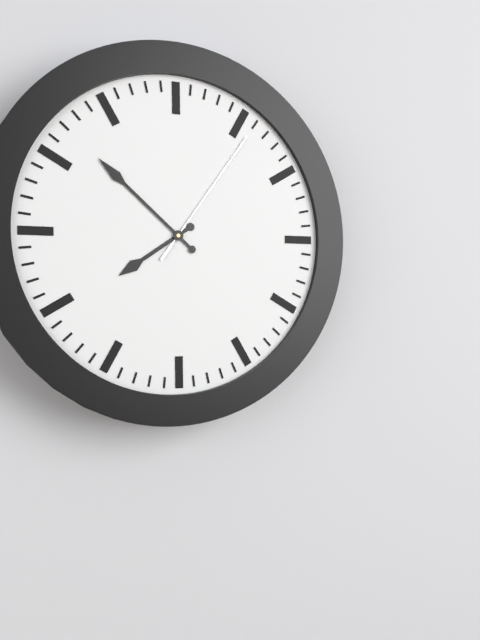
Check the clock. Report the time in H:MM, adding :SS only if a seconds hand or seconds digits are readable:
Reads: 7:52:06
